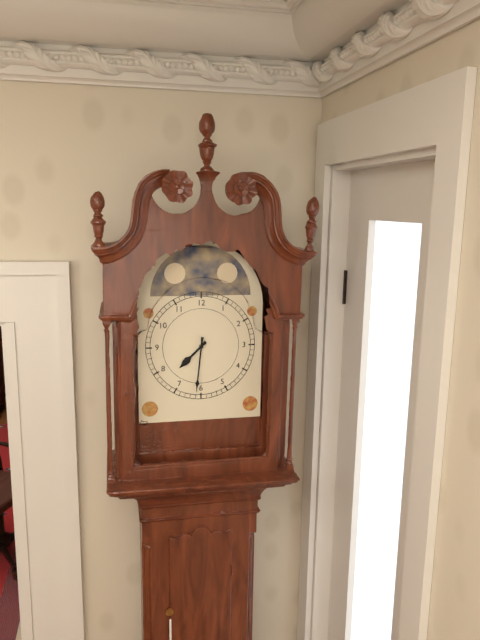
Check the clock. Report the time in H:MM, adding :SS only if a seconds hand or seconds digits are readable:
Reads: 7:31
